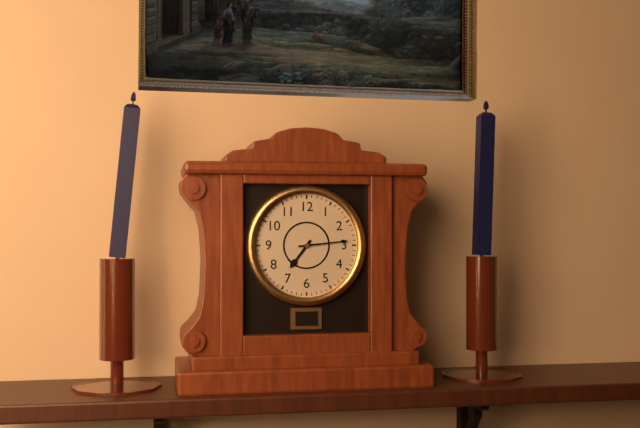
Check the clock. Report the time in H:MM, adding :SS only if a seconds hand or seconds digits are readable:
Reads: 7:14
